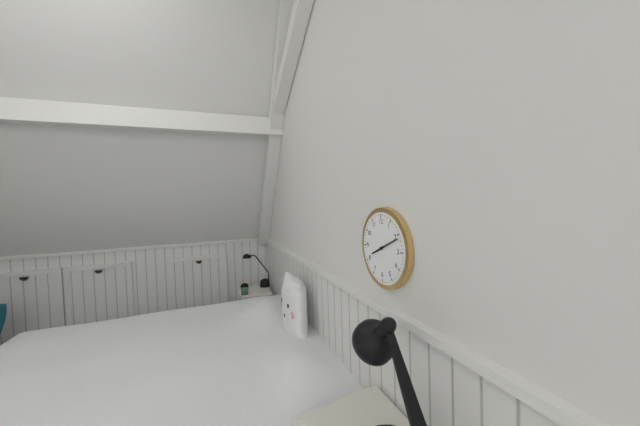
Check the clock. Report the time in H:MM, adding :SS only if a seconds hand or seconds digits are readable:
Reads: 8:11
